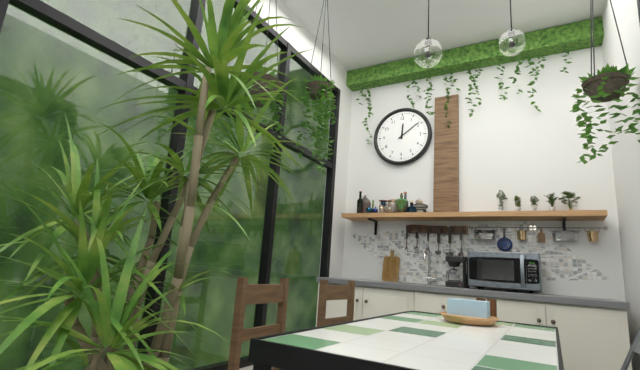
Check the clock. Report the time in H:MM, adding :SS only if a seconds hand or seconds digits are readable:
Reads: 12:09
